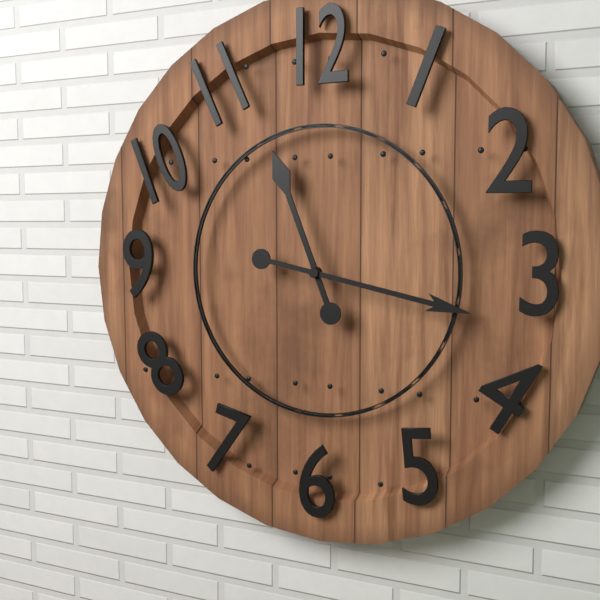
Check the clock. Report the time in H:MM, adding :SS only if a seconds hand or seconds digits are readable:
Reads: 11:17
